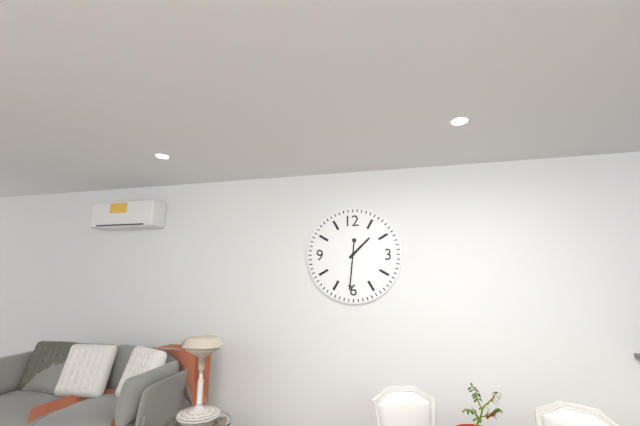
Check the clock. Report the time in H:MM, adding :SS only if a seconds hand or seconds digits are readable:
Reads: 1:31
